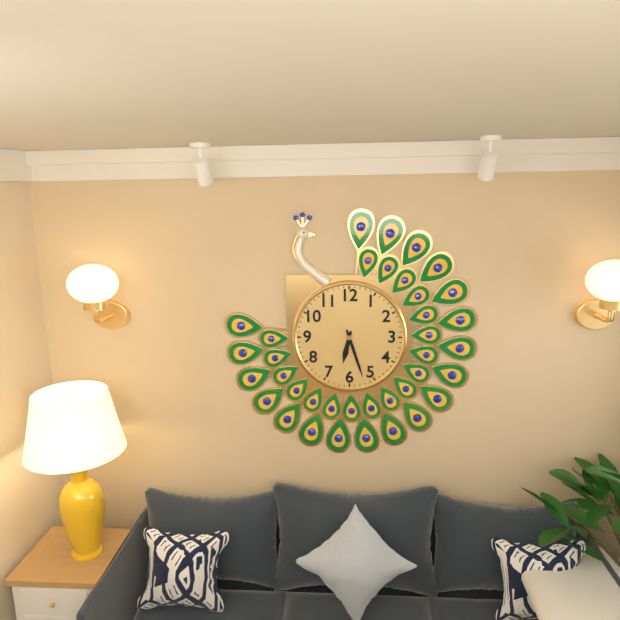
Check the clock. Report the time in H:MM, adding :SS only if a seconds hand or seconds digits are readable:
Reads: 6:27
